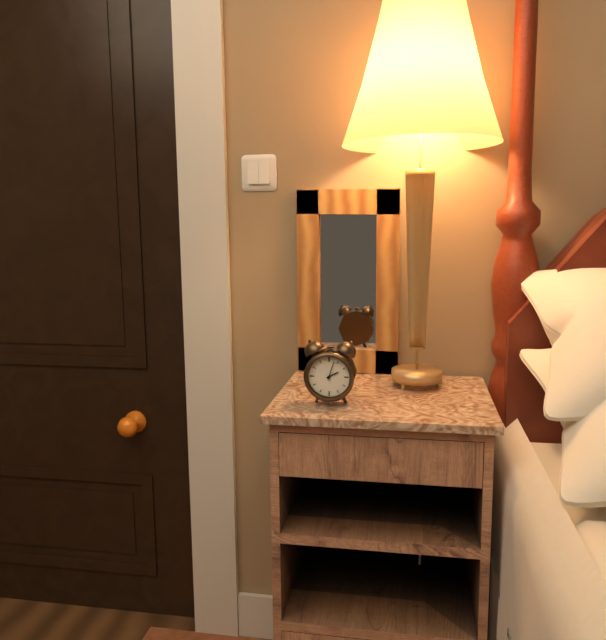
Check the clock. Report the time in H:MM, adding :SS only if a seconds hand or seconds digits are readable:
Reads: 2:03
